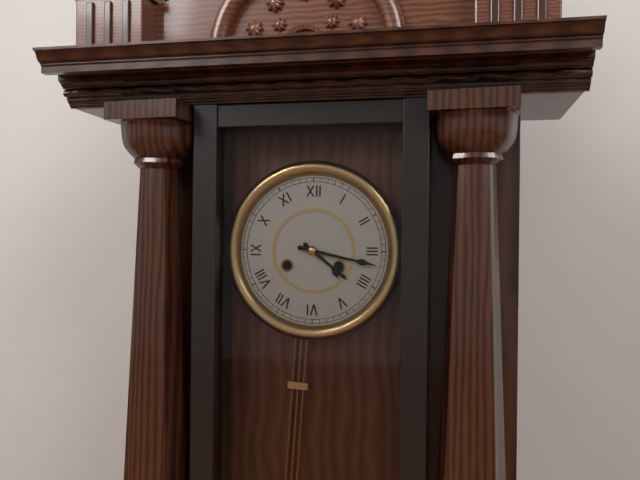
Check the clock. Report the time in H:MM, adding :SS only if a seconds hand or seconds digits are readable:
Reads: 4:17
